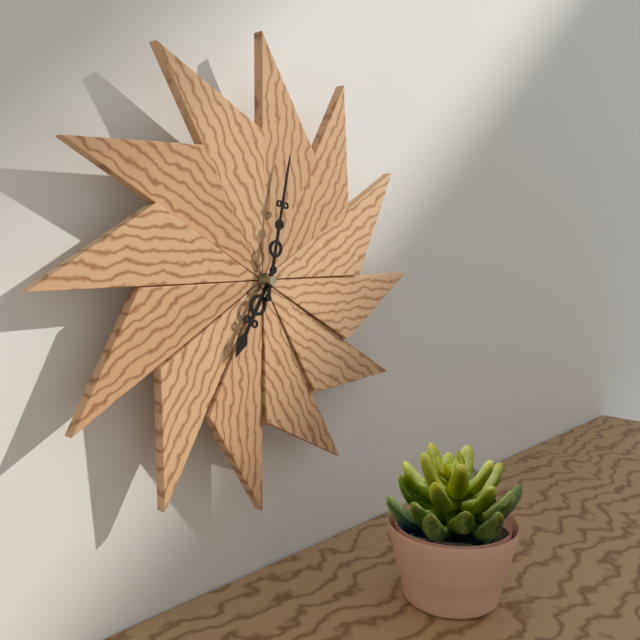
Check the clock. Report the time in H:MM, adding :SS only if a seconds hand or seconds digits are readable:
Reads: 7:02
